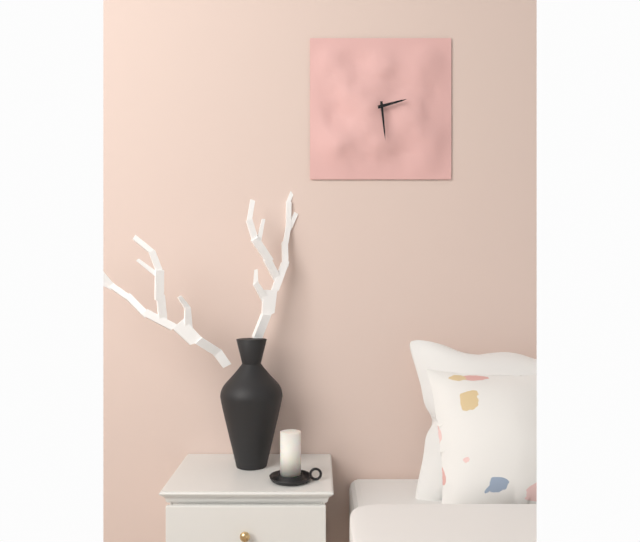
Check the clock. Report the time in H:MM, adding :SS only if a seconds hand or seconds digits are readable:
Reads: 2:29
